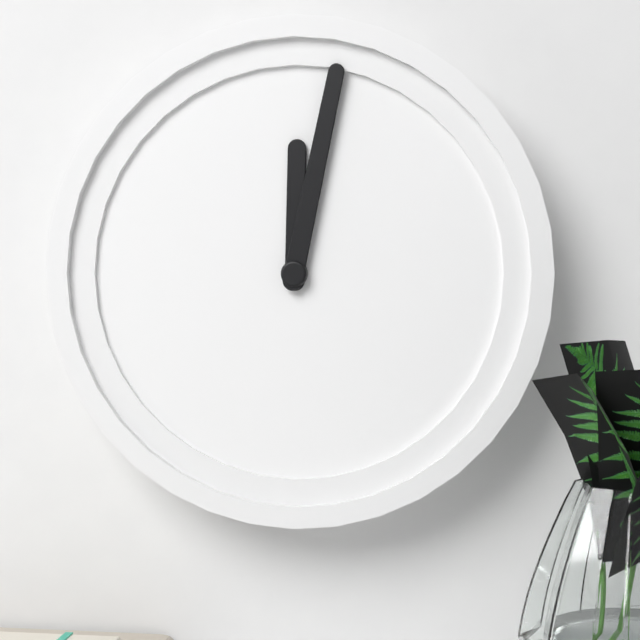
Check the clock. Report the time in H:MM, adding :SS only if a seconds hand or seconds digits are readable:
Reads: 12:02
